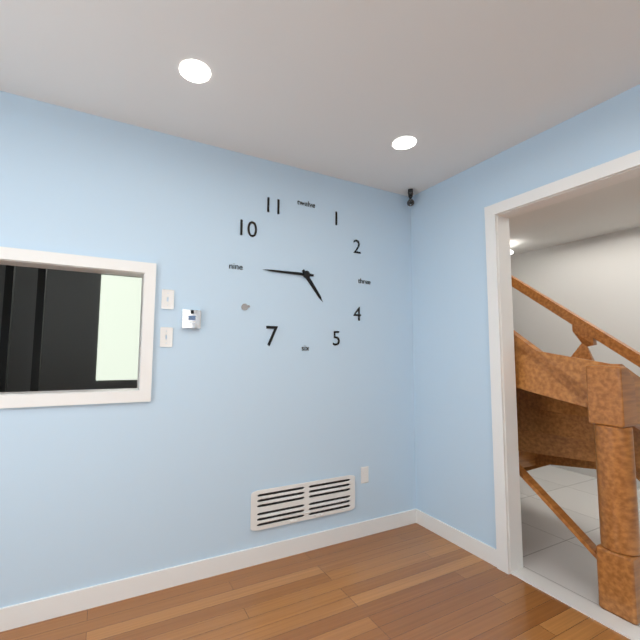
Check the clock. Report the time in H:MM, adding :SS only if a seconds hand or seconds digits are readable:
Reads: 4:45
